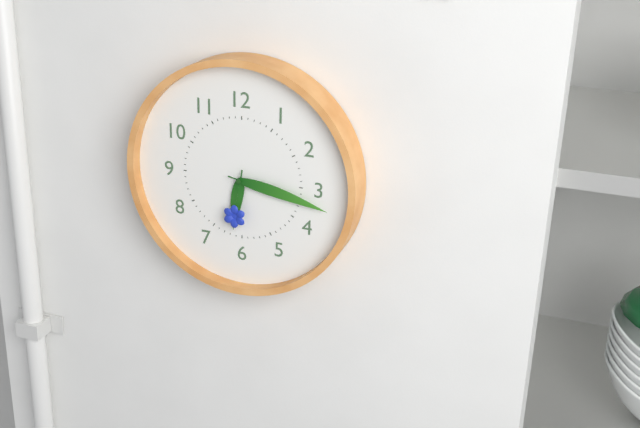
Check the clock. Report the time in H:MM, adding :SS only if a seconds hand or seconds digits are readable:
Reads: 6:17:31
